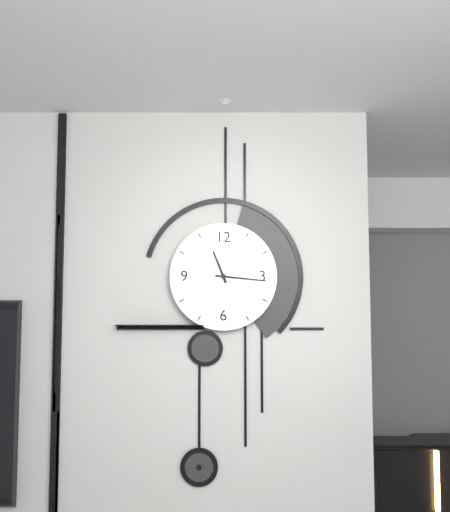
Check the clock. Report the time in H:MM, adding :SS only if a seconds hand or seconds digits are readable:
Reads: 11:16
